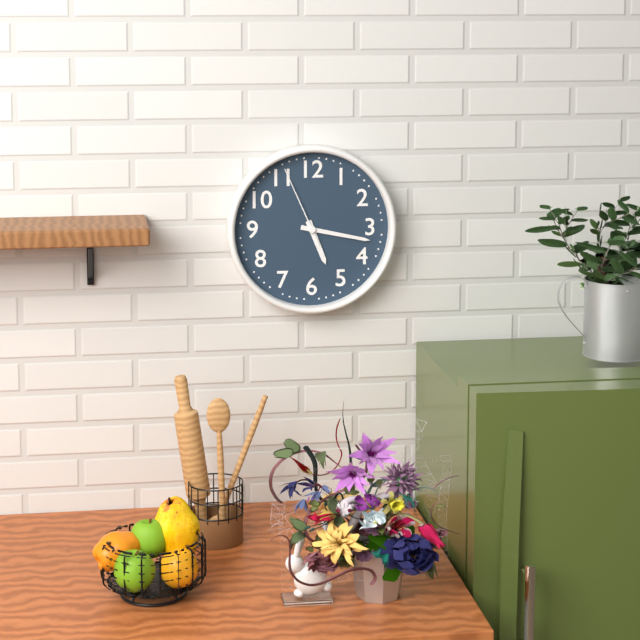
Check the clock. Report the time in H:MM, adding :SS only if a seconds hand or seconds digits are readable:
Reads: 5:17:56
